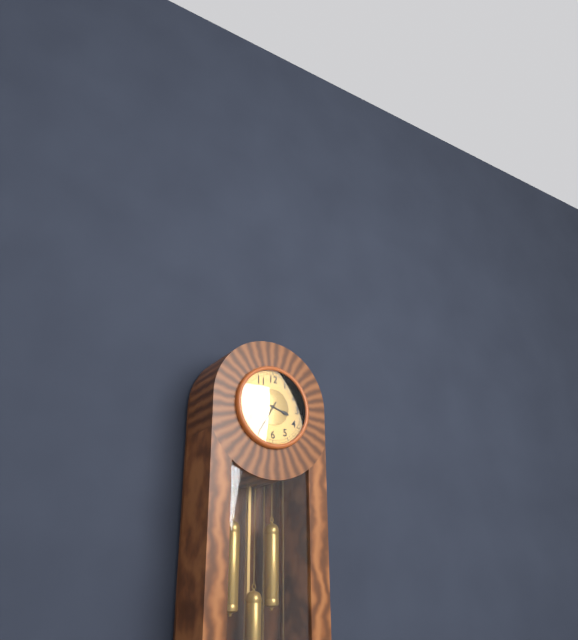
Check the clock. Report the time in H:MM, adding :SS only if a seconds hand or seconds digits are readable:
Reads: 3:35
